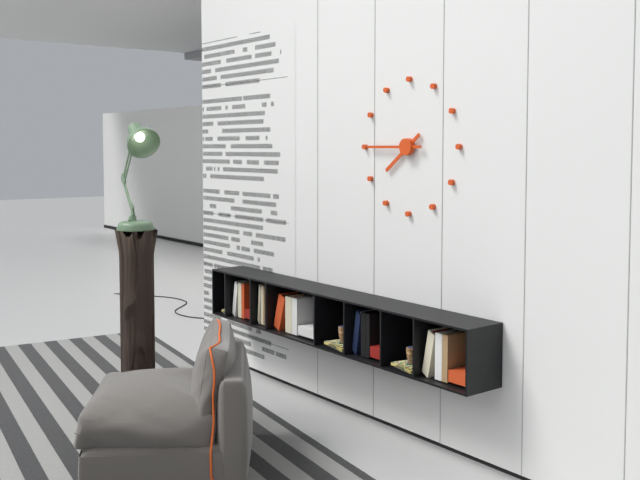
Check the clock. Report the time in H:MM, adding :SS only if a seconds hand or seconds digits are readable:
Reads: 7:45
